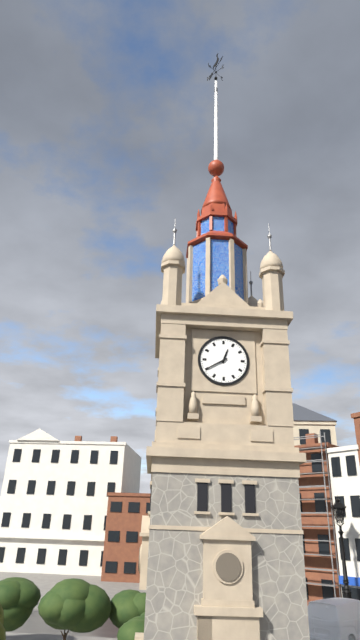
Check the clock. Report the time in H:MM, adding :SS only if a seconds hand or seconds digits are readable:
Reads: 12:40
